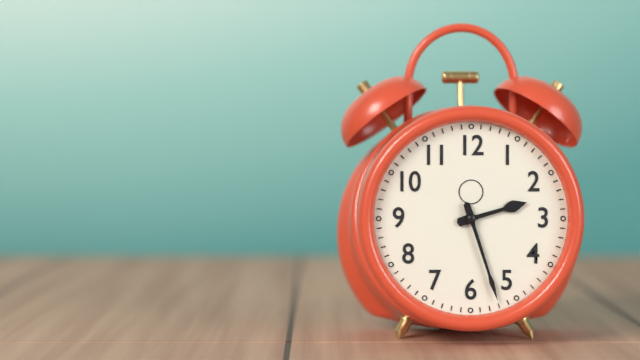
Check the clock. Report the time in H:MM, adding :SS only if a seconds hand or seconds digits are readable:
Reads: 2:27
